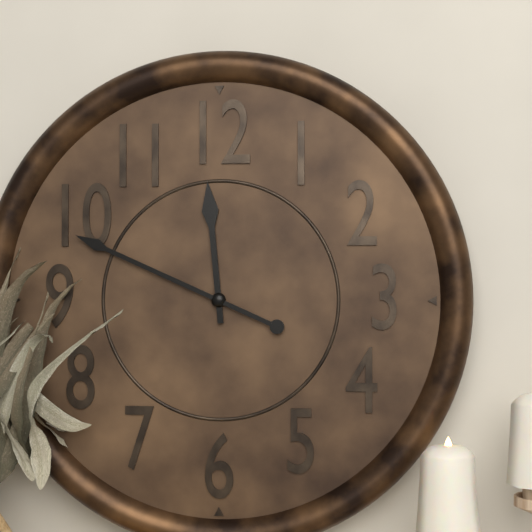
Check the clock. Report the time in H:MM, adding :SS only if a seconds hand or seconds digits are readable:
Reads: 11:49
